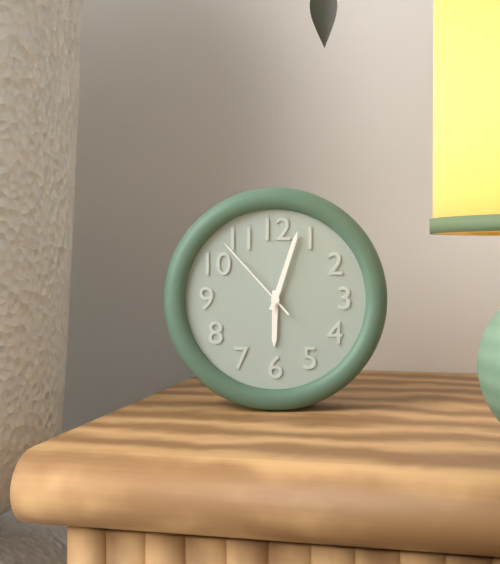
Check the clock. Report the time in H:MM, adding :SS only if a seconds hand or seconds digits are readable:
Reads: 6:03:53
